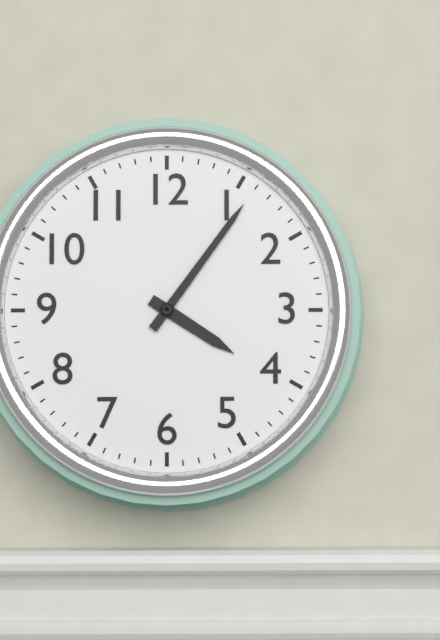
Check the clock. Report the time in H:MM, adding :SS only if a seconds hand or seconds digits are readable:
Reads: 4:06
